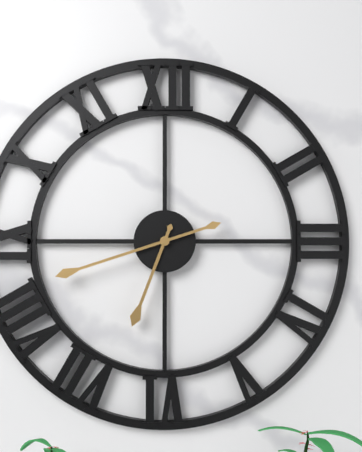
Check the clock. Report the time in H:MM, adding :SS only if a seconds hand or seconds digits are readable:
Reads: 6:42
